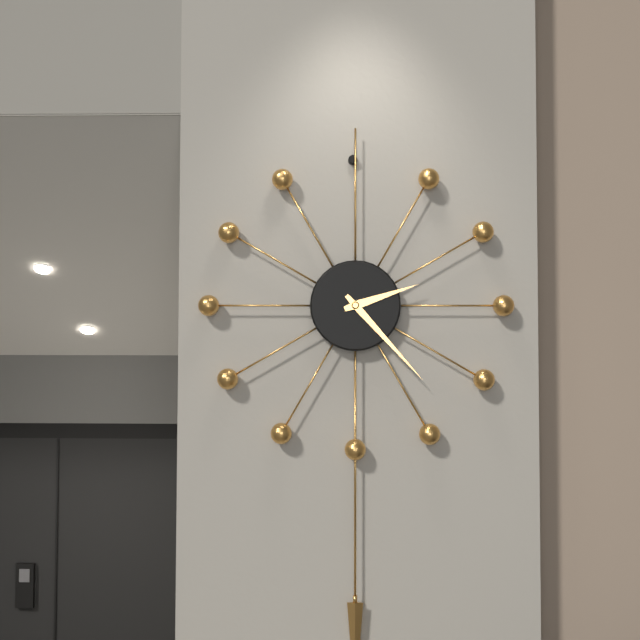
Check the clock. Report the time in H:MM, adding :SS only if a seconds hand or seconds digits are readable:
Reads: 2:23
